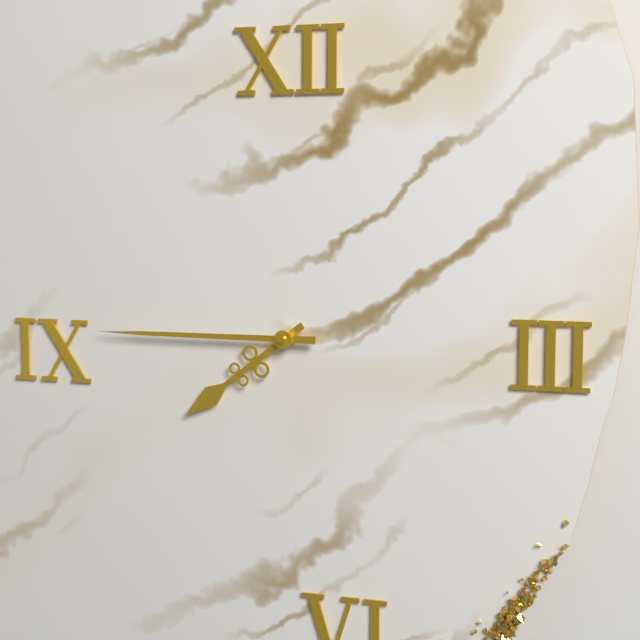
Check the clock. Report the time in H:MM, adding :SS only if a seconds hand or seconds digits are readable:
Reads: 7:45
